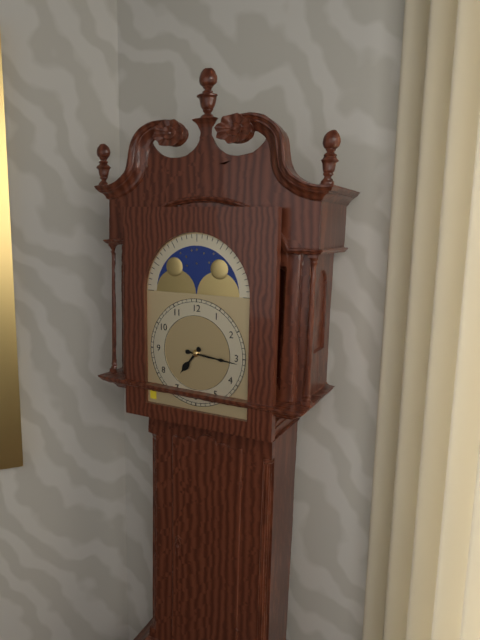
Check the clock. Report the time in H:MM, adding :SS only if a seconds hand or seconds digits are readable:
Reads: 7:16
